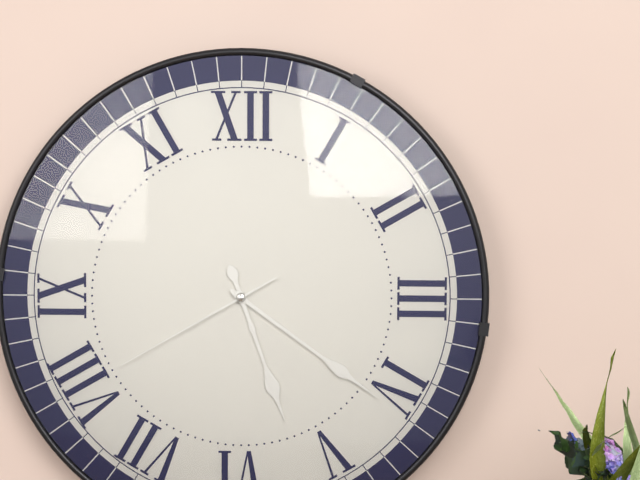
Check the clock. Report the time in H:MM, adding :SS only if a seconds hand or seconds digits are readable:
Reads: 5:21:40
